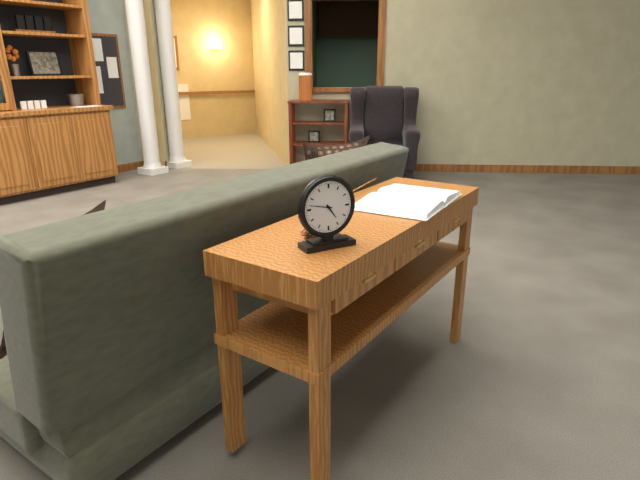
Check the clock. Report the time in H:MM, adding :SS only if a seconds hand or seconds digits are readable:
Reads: 4:47
